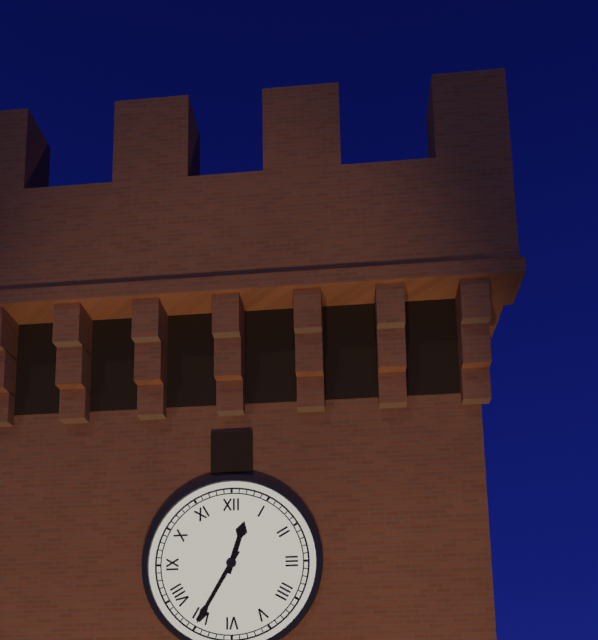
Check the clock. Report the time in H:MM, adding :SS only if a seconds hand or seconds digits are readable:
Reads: 12:35
